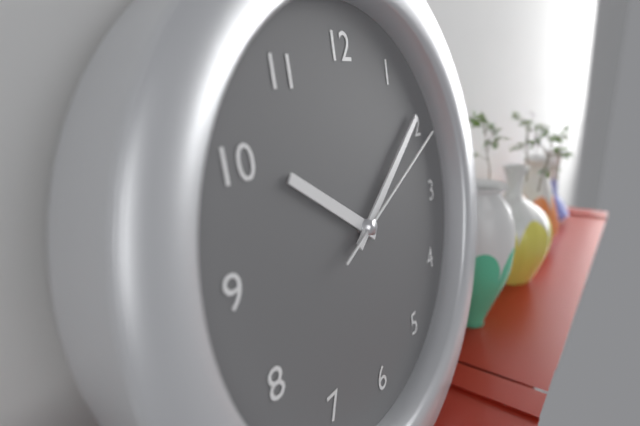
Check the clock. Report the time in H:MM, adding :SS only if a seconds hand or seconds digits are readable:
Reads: 10:09:11
